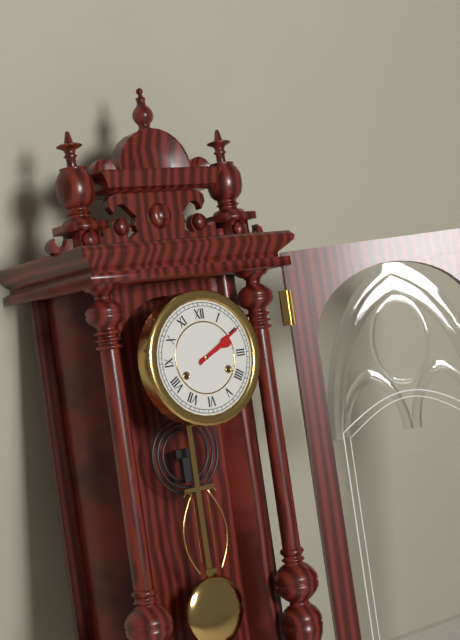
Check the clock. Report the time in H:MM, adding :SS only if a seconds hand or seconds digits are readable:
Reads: 2:10
